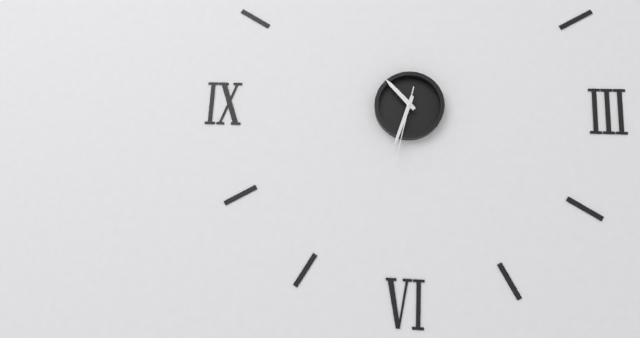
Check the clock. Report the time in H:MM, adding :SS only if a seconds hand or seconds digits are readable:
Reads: 10:33:32
